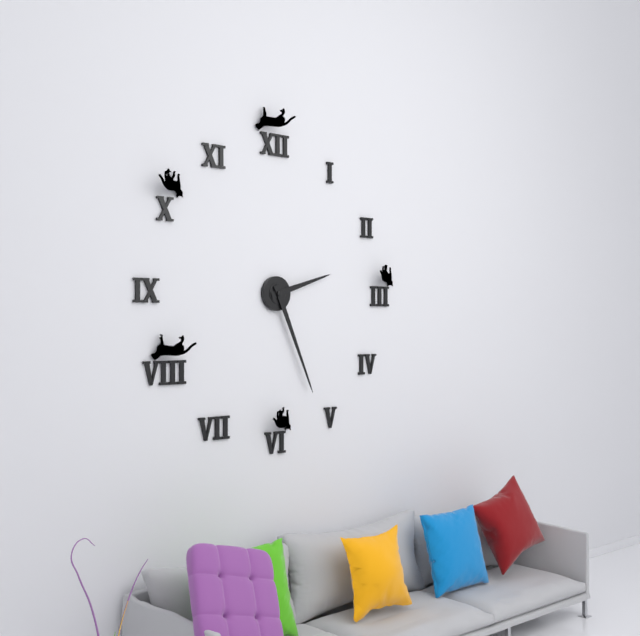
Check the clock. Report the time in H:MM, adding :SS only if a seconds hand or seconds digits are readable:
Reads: 2:26
